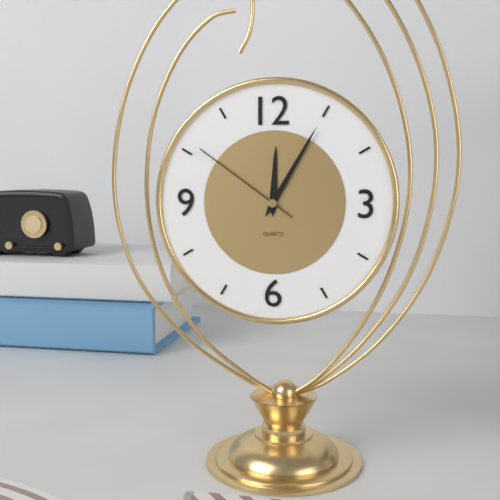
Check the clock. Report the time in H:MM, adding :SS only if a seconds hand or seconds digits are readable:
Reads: 12:05:51
